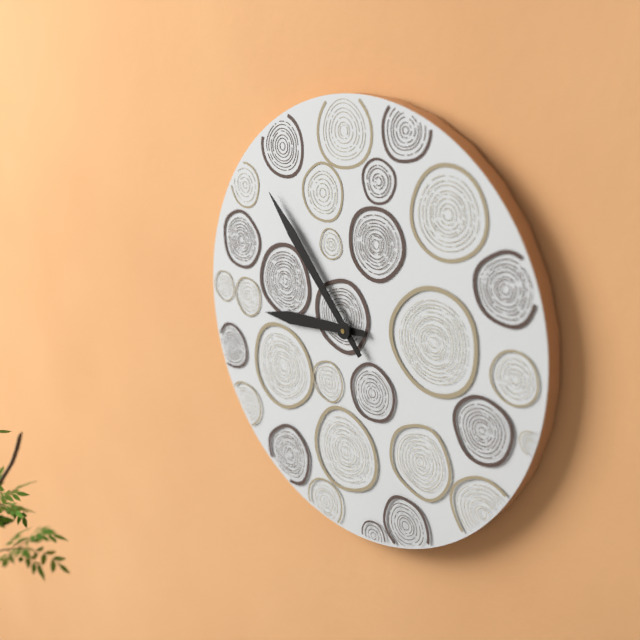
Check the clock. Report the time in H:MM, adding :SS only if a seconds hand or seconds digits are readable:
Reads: 8:53
